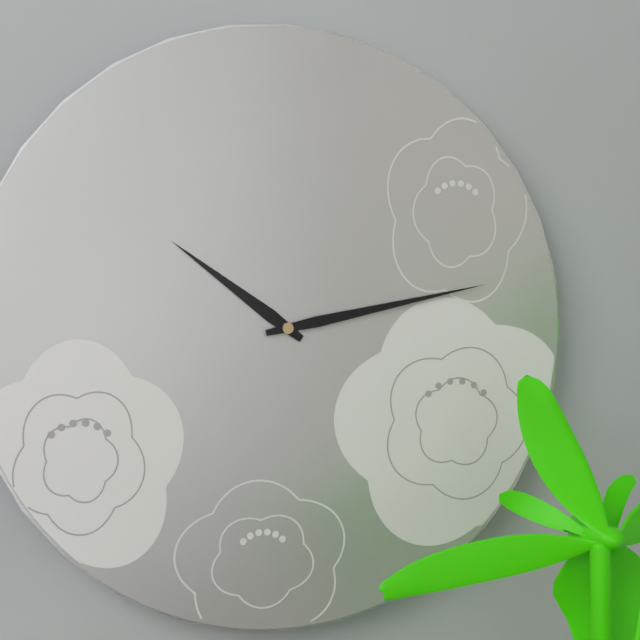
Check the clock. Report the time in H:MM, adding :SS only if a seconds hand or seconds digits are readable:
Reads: 10:13
